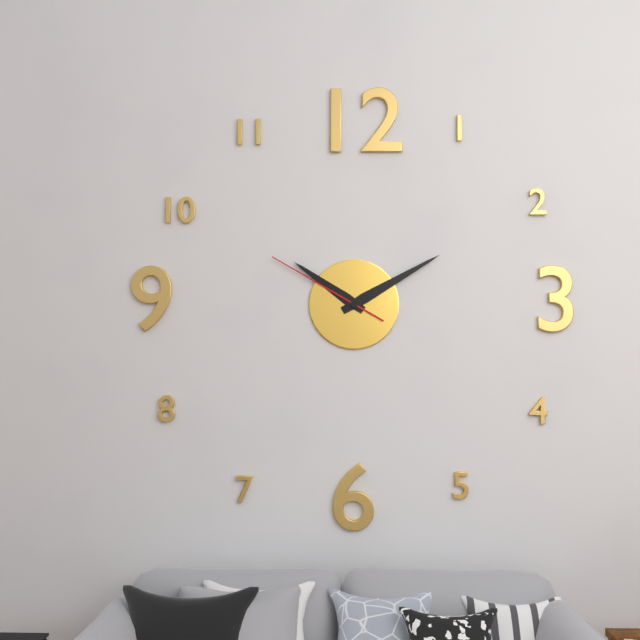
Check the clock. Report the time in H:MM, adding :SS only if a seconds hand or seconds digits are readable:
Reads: 10:10:50
